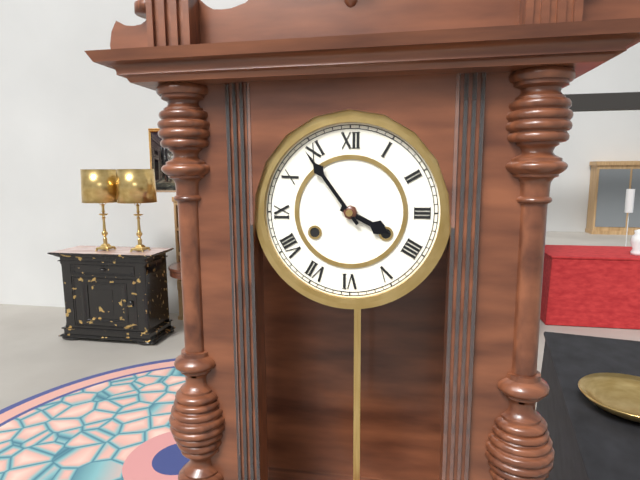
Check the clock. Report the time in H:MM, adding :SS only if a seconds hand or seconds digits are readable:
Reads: 3:54
